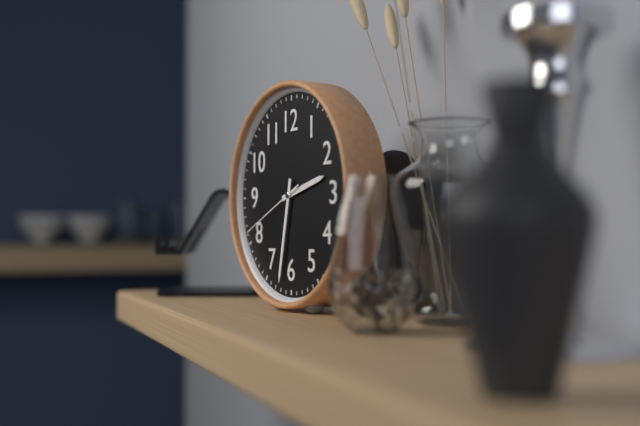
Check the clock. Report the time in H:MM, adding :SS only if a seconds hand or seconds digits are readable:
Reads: 2:32:41
